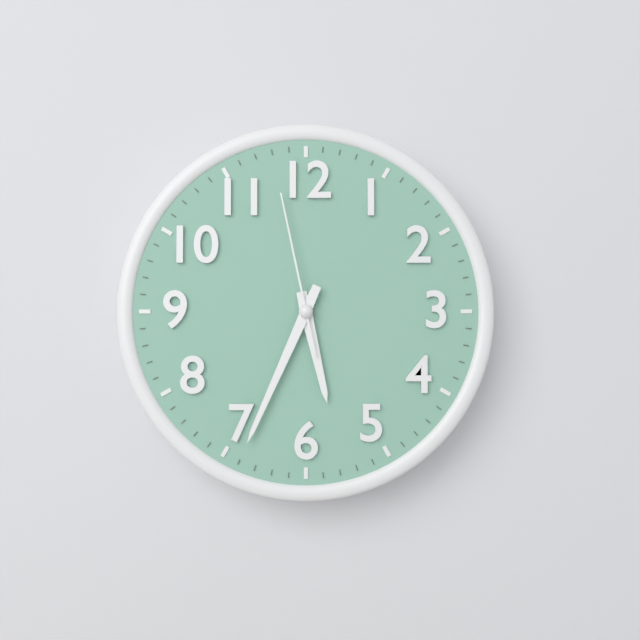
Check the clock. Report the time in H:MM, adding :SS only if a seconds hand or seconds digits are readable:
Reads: 5:34:58
